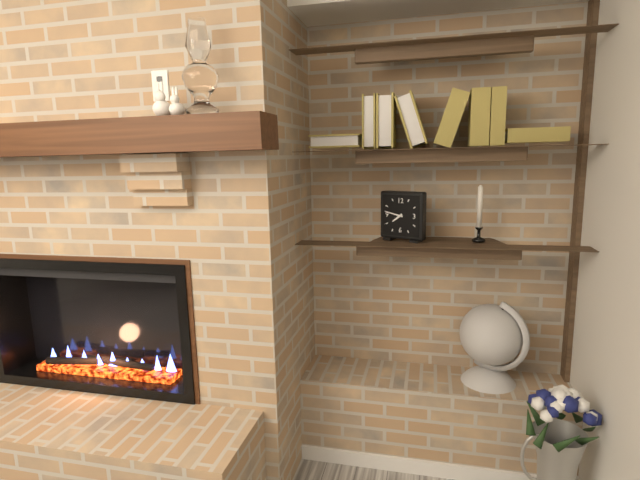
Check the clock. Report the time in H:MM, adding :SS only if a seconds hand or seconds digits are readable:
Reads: 7:47
